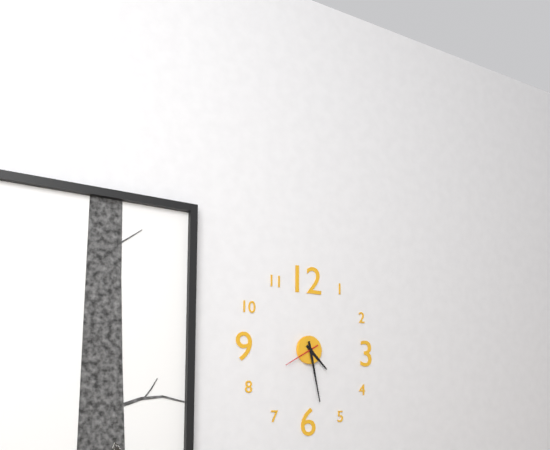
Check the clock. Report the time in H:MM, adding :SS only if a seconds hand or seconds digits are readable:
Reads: 4:28
